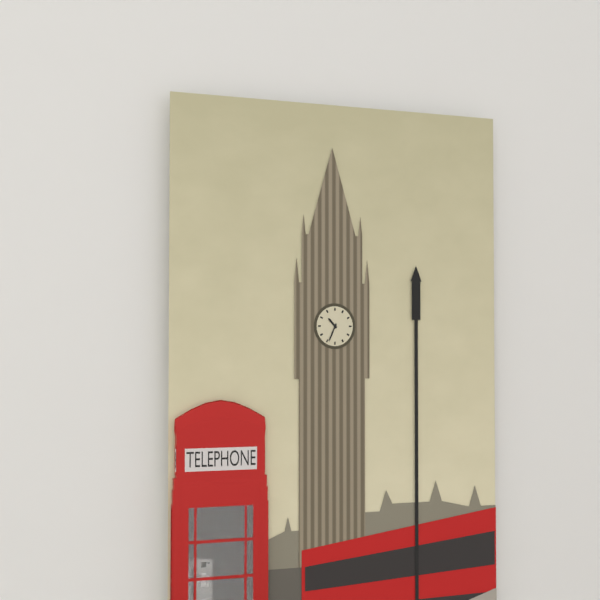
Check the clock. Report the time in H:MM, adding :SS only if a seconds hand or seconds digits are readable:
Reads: 10:34
